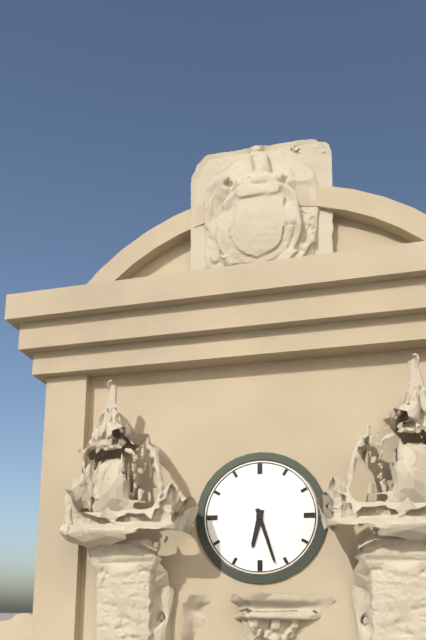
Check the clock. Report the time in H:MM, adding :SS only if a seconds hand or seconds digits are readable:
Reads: 6:27
